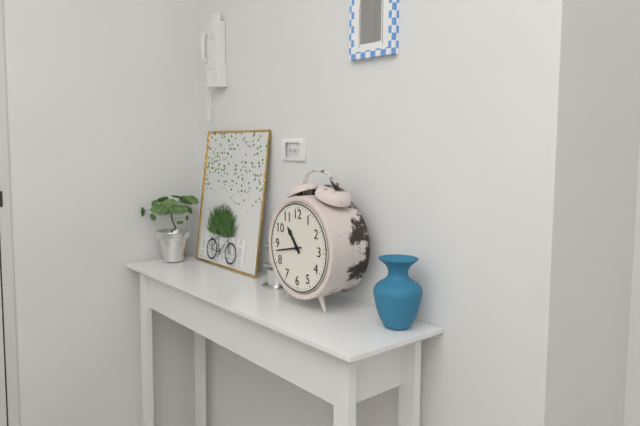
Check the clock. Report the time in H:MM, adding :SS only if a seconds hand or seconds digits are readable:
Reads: 10:43
